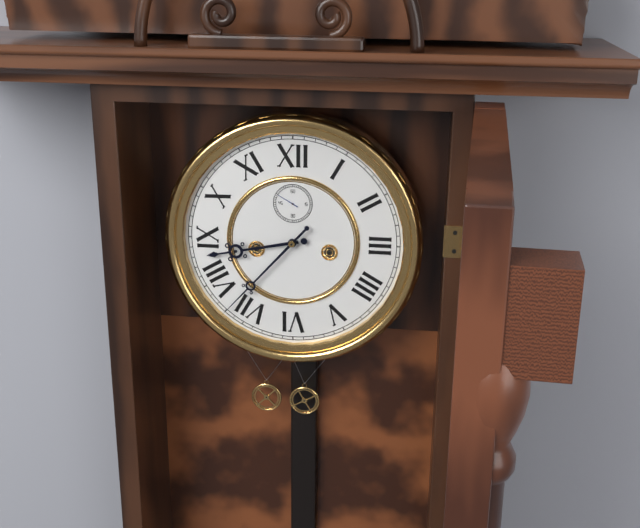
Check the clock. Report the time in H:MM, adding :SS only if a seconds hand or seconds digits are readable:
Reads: 8:37
